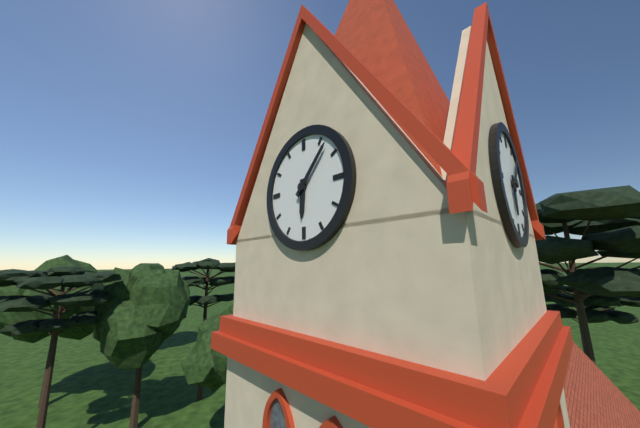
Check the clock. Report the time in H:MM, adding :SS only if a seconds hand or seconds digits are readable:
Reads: 6:07
